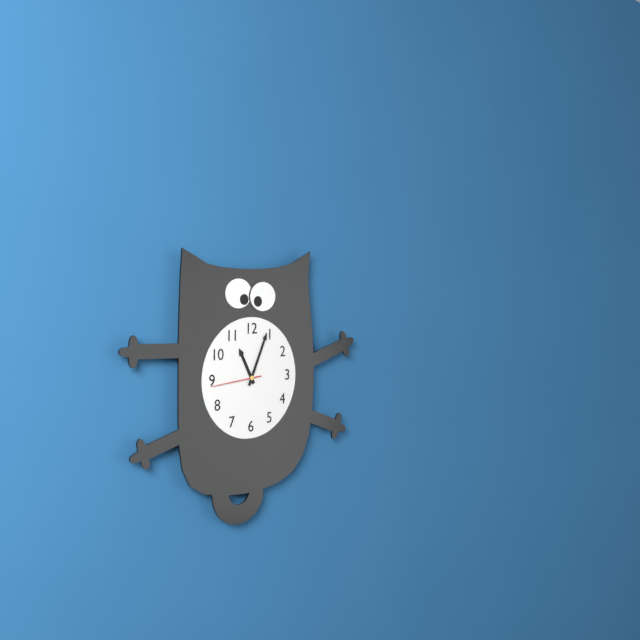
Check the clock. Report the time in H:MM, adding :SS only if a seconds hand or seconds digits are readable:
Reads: 11:04:44
